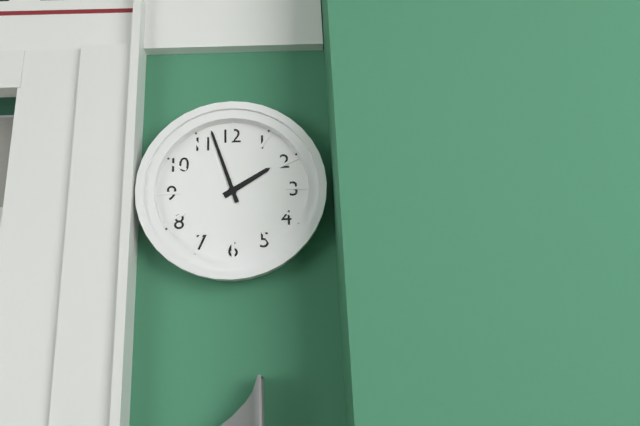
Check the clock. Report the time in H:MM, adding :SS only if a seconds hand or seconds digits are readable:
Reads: 1:57
